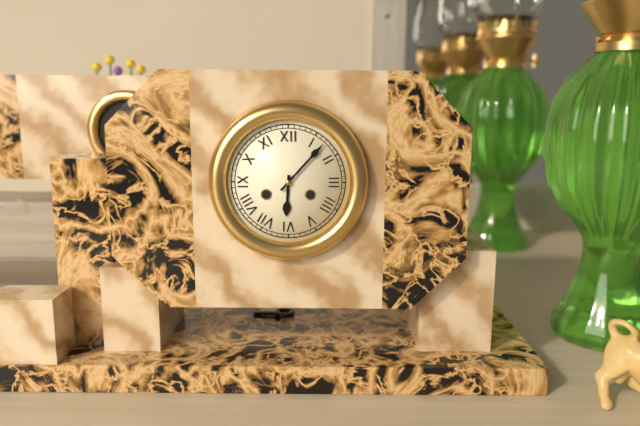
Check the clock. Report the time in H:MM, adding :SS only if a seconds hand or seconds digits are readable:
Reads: 6:07
